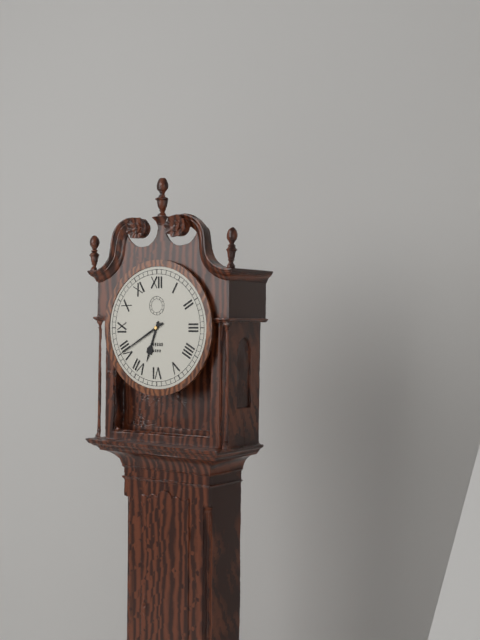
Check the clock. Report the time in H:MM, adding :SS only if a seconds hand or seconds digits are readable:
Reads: 6:40
